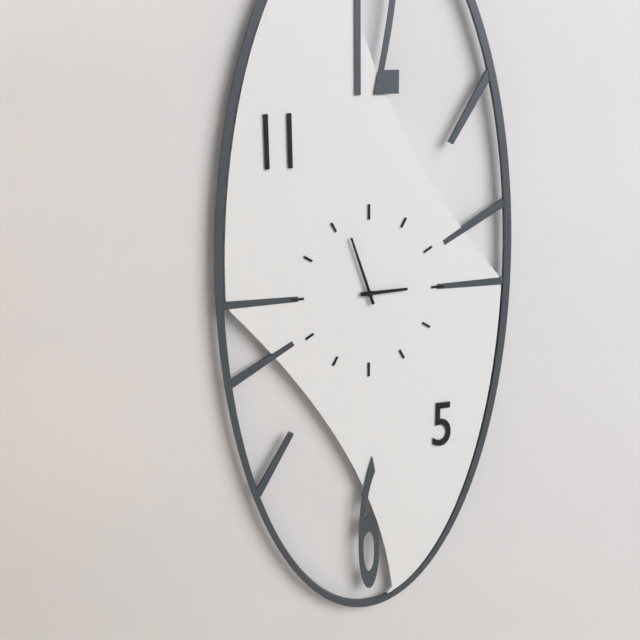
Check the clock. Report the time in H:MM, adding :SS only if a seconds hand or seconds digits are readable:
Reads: 2:57
